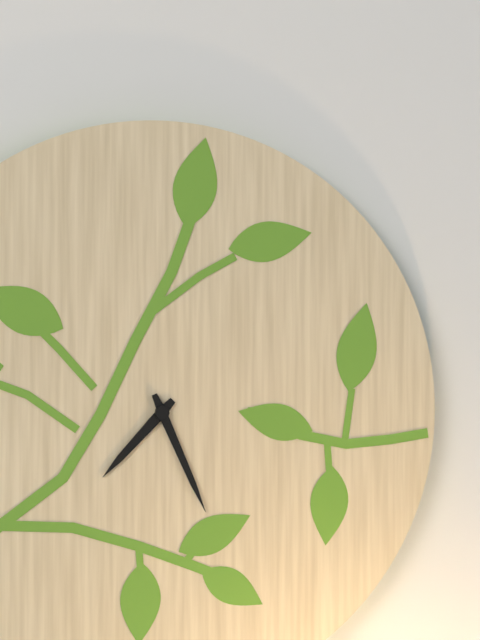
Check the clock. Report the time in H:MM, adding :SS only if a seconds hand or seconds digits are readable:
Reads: 7:26
